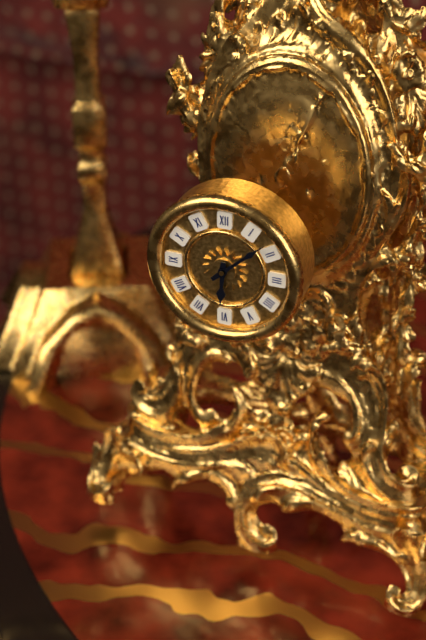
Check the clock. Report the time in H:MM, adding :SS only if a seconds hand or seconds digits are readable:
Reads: 6:08
